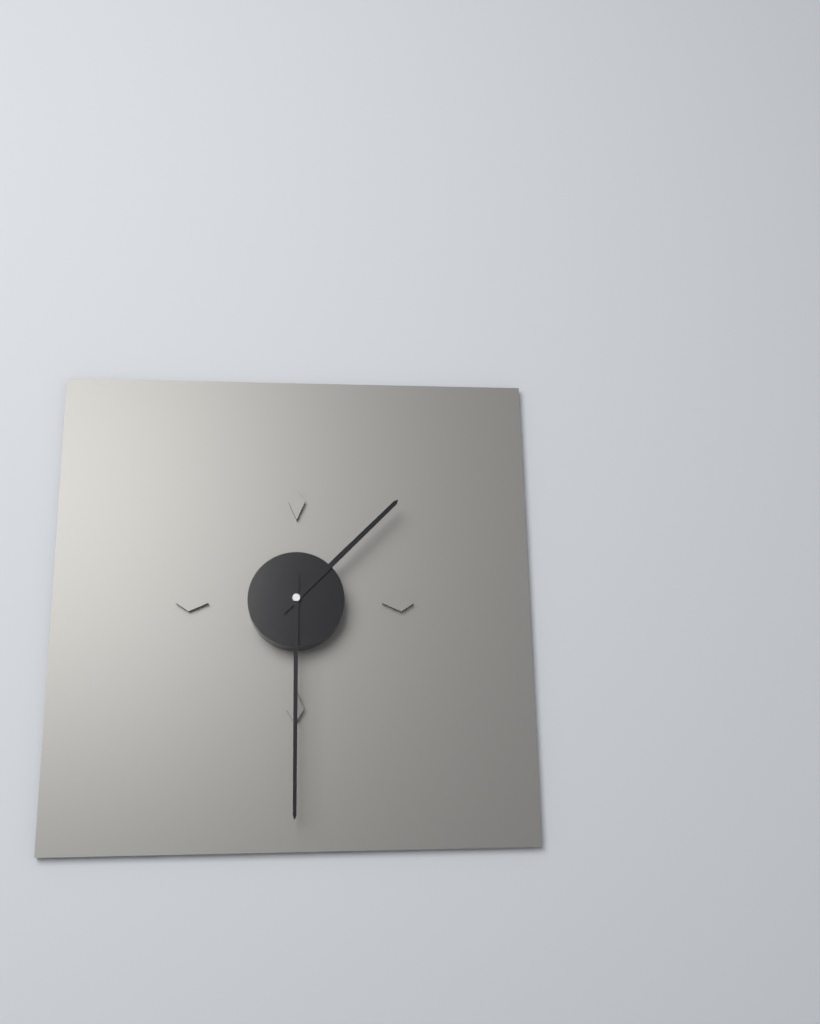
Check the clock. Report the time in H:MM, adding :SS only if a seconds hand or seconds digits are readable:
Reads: 1:30
